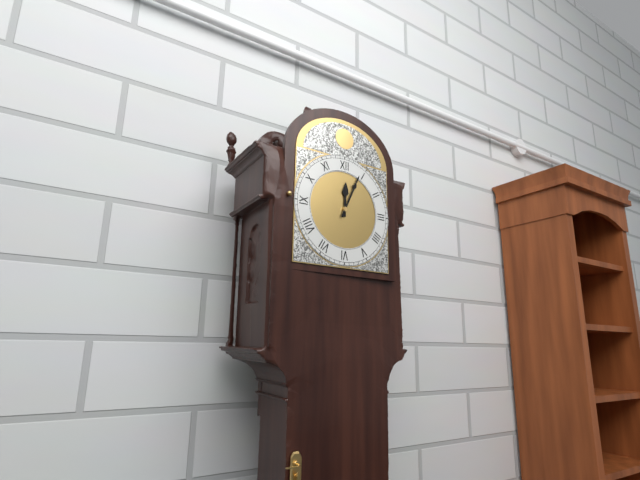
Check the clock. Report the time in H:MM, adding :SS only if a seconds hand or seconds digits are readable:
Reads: 12:04
